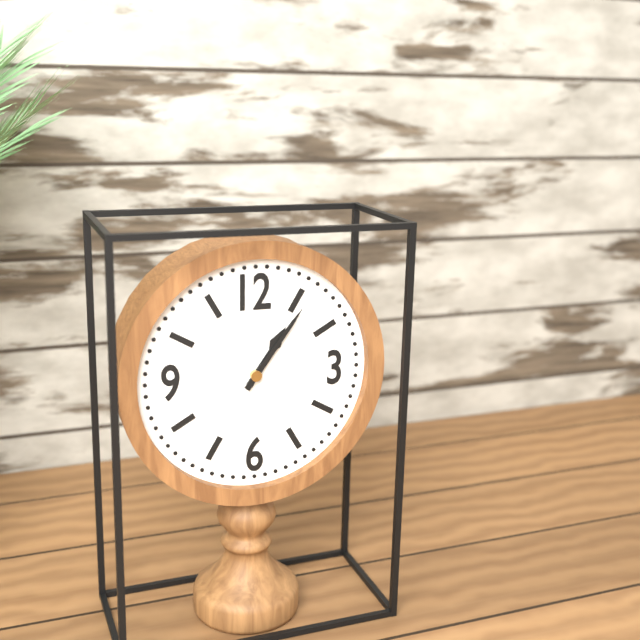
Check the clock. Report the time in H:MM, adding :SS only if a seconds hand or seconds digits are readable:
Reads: 1:06
